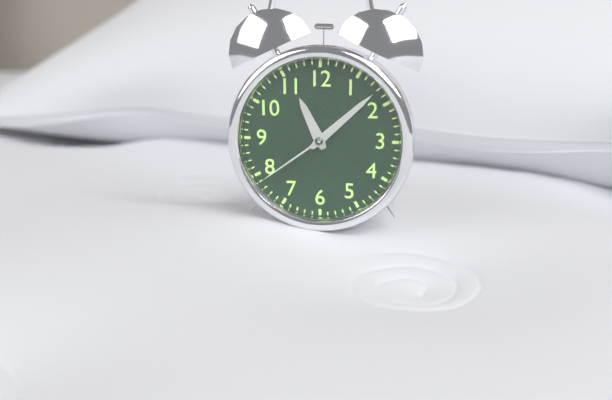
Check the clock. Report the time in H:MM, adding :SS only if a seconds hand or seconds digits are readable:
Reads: 11:08:39
